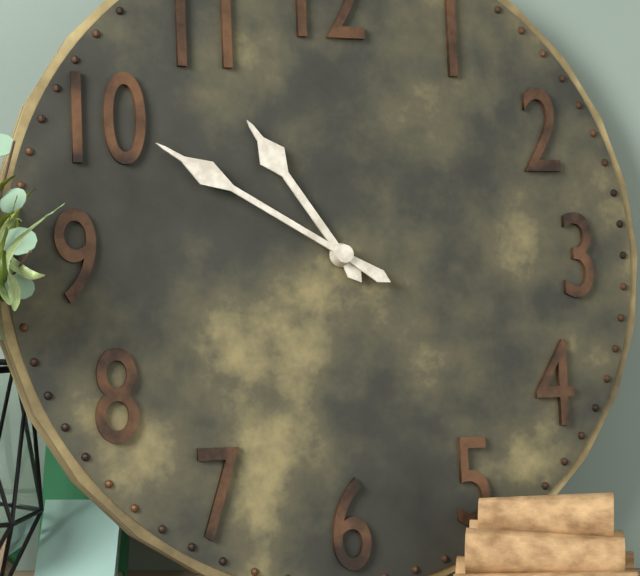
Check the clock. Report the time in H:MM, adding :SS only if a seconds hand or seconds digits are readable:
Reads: 10:50
